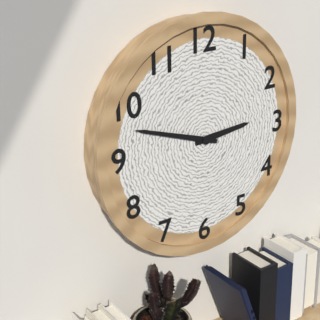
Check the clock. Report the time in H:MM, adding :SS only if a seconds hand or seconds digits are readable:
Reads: 2:48
